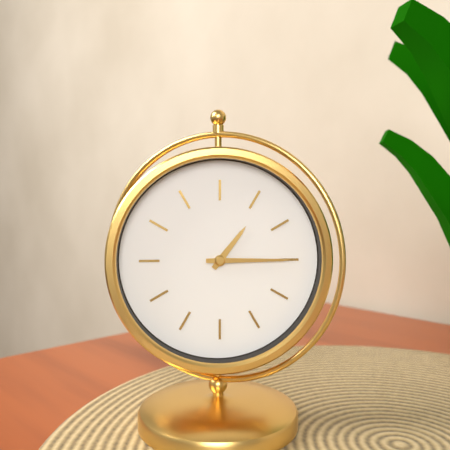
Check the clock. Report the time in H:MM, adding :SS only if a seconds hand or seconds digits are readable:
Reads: 1:15
